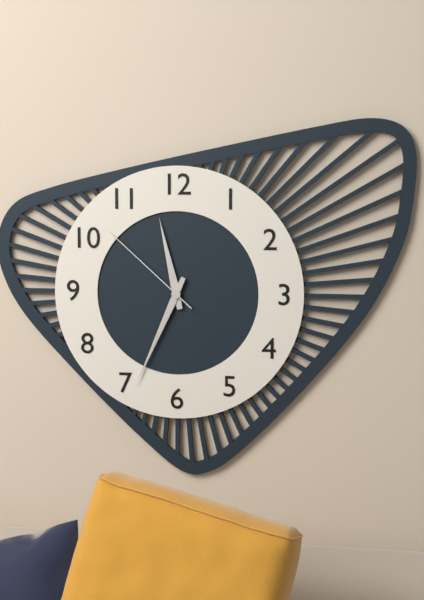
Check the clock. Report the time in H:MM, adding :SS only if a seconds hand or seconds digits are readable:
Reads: 11:34:52
